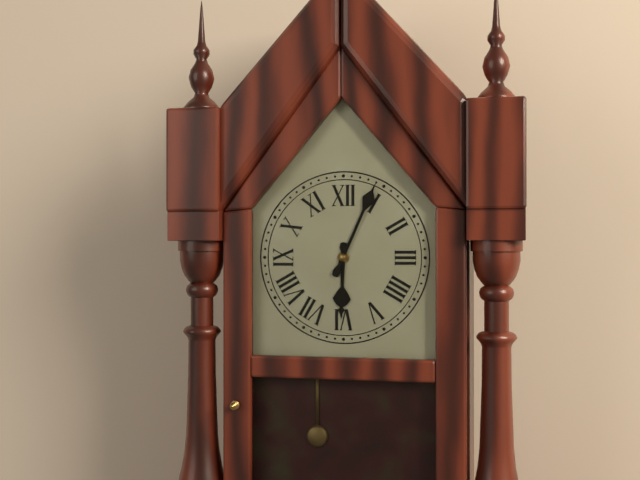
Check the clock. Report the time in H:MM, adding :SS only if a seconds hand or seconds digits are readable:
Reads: 6:04
